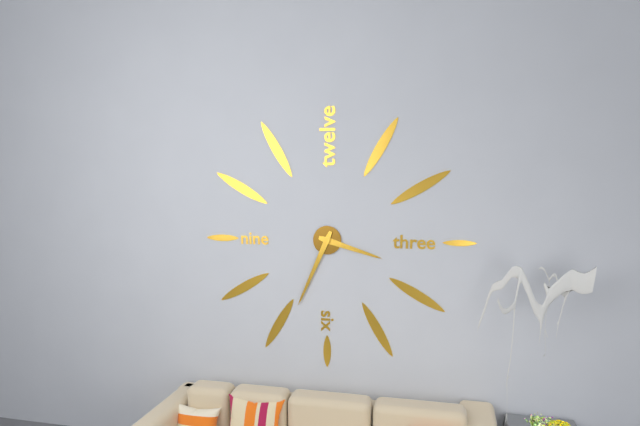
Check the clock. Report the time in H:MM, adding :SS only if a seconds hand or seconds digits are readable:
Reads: 3:34
